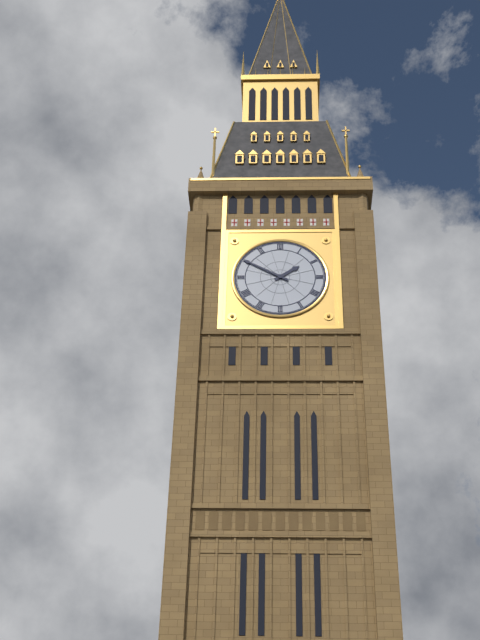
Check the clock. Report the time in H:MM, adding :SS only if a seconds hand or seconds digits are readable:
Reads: 1:50
